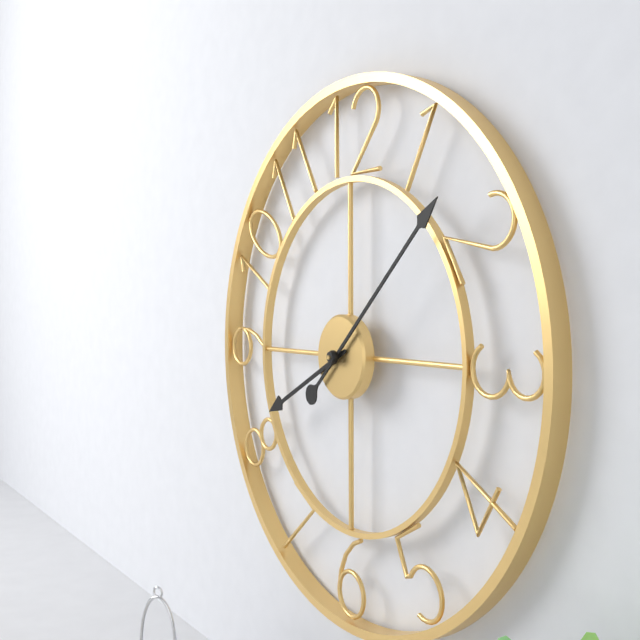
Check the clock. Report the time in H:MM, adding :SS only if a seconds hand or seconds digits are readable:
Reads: 8:08
